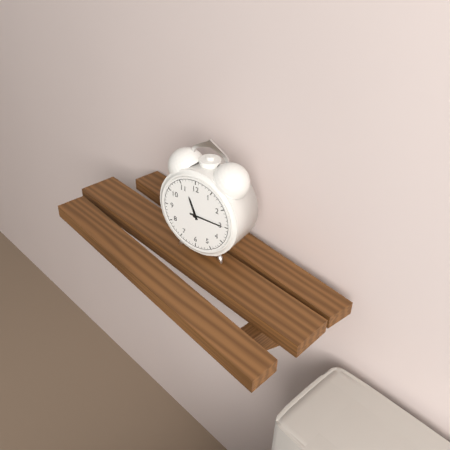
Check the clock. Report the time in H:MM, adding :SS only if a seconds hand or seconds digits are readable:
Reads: 11:15
